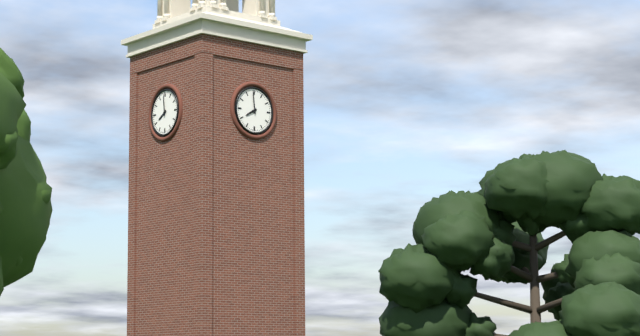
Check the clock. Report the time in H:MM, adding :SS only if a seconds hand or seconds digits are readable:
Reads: 7:59
